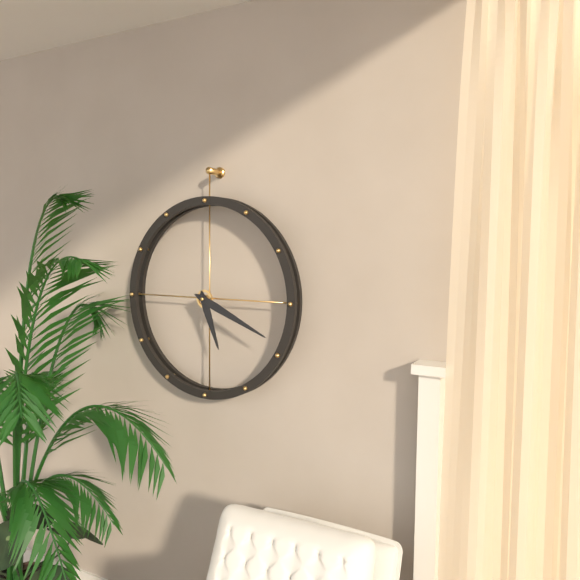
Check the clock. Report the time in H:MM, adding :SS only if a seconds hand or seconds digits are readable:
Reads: 5:19
